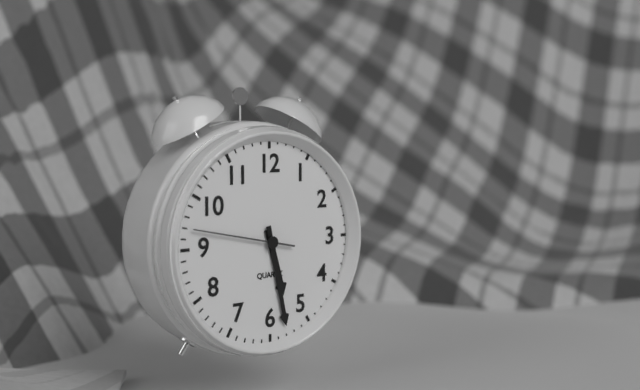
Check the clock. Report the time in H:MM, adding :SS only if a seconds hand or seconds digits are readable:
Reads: 5:28:47
